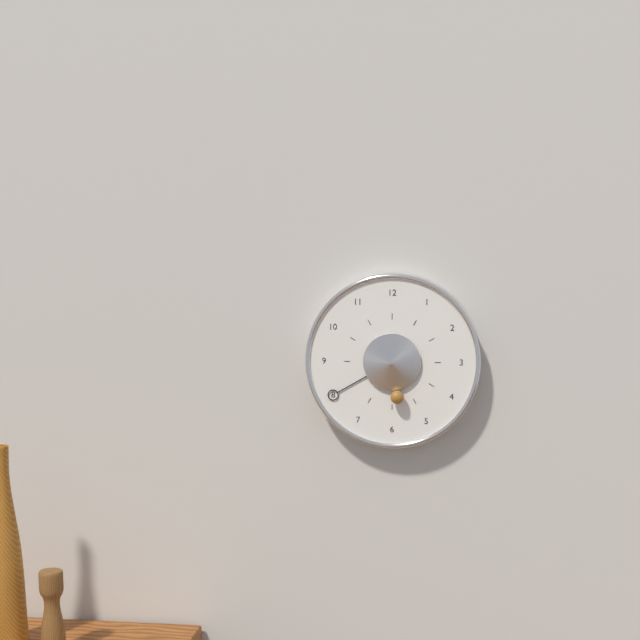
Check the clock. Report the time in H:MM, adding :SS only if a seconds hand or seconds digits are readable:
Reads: 5:40
